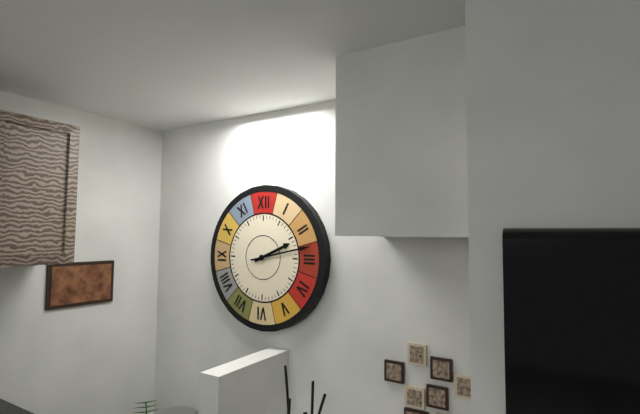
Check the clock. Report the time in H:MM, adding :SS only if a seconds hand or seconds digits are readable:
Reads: 2:13
